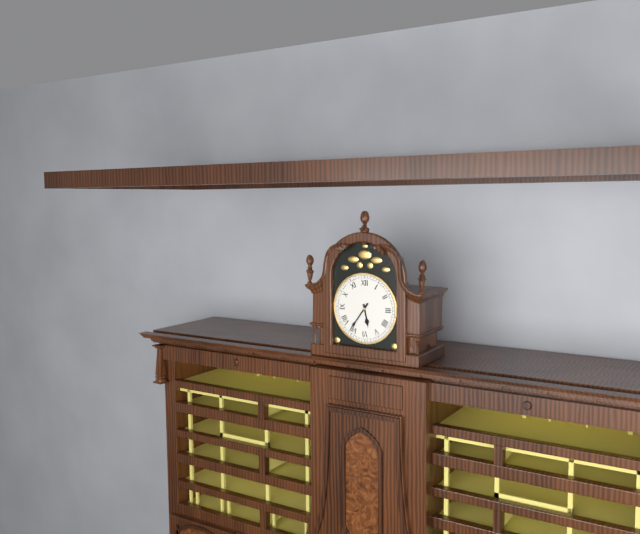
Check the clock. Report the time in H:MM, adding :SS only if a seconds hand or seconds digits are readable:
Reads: 5:36
